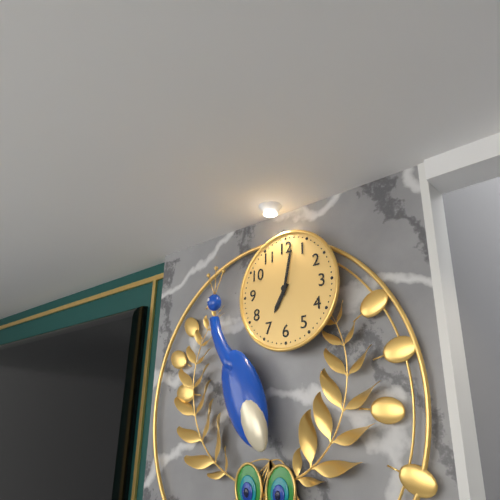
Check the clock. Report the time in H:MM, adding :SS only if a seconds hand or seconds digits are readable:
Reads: 7:02
